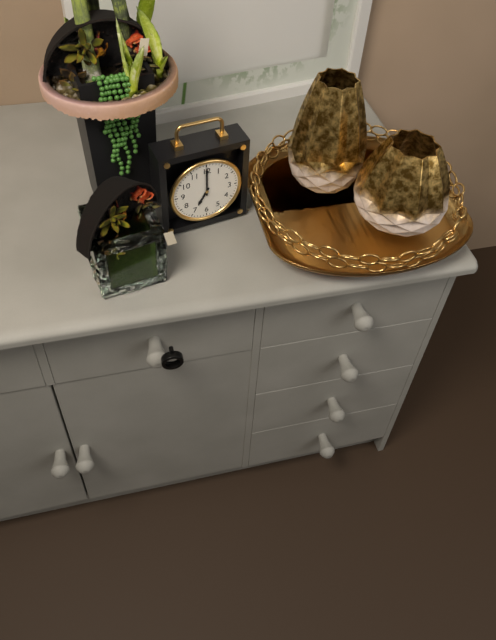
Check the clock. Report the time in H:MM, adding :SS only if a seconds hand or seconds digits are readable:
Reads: 7:00
